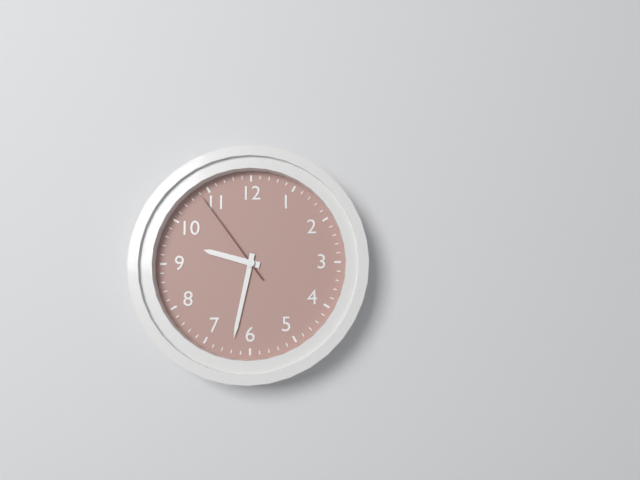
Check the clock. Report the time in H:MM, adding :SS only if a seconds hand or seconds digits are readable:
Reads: 9:32:54
